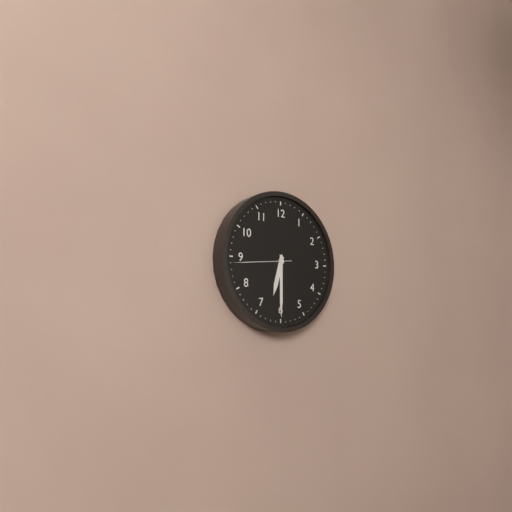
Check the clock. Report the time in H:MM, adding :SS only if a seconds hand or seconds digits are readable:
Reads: 6:30:44
